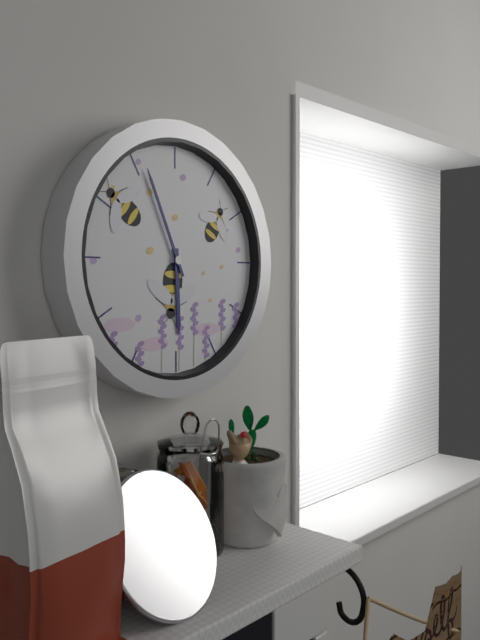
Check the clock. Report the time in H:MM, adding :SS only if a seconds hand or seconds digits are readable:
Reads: 5:56
